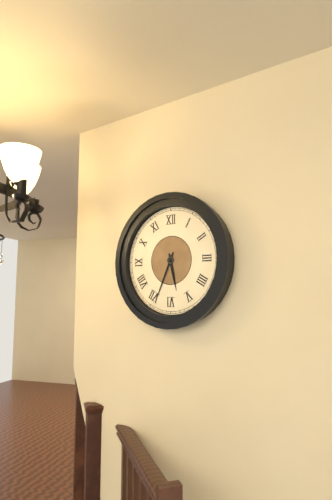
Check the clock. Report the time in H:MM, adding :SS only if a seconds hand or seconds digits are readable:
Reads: 5:34
